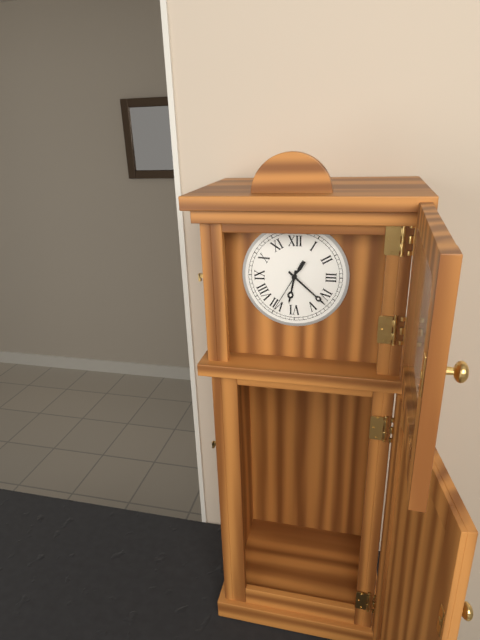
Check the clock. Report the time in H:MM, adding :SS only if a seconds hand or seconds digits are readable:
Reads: 6:22:35
